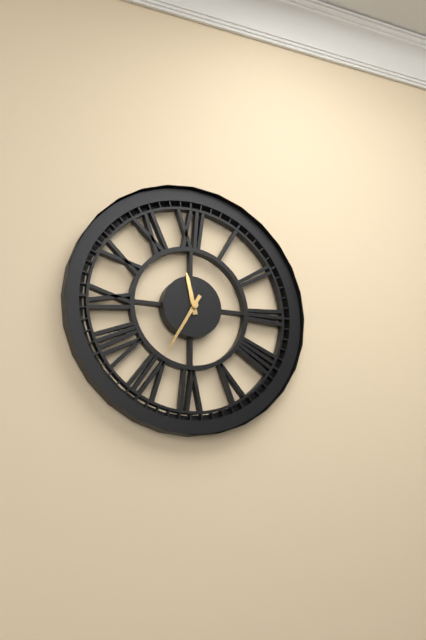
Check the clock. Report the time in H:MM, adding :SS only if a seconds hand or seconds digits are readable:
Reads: 11:35
